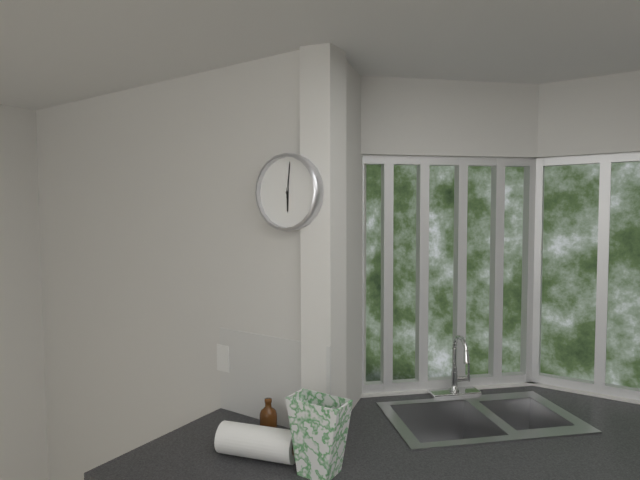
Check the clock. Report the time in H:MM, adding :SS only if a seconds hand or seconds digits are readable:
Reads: 6:01
